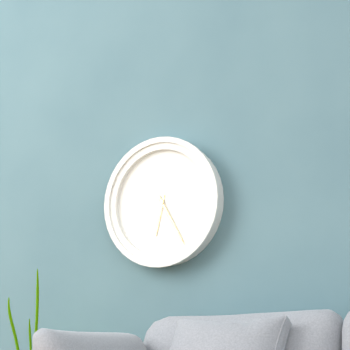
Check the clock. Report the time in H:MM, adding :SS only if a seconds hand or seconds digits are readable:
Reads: 6:25
